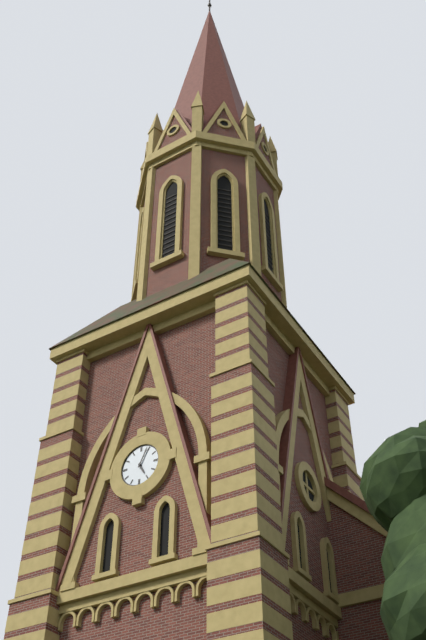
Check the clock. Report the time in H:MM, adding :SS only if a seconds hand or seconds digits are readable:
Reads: 5:04
